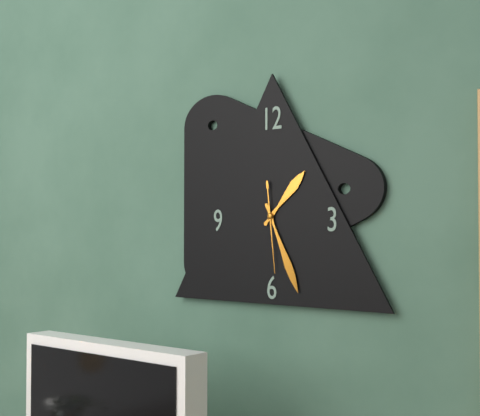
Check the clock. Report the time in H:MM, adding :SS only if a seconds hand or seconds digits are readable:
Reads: 1:26:29
